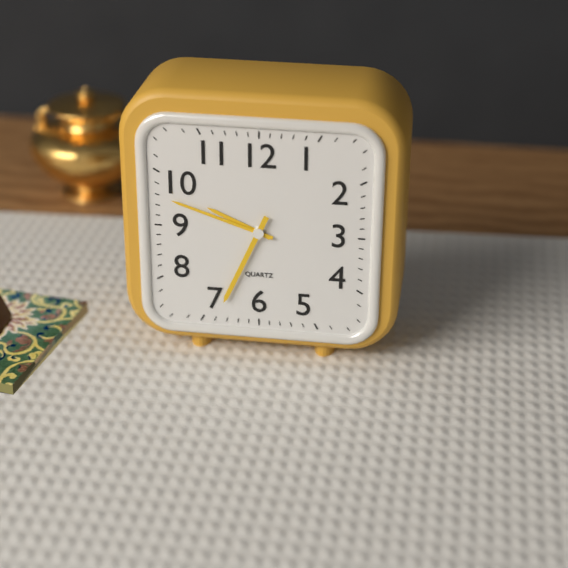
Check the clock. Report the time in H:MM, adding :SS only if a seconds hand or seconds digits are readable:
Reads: 9:48:34
